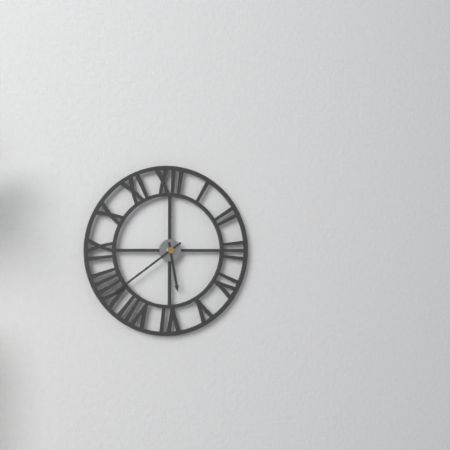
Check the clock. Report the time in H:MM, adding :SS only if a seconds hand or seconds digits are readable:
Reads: 5:39
